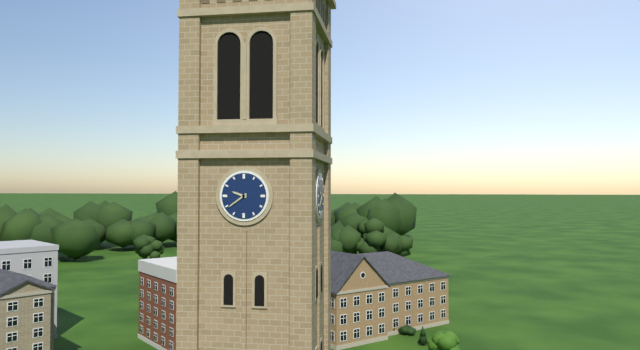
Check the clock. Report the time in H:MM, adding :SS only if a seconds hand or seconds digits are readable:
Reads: 9:39
